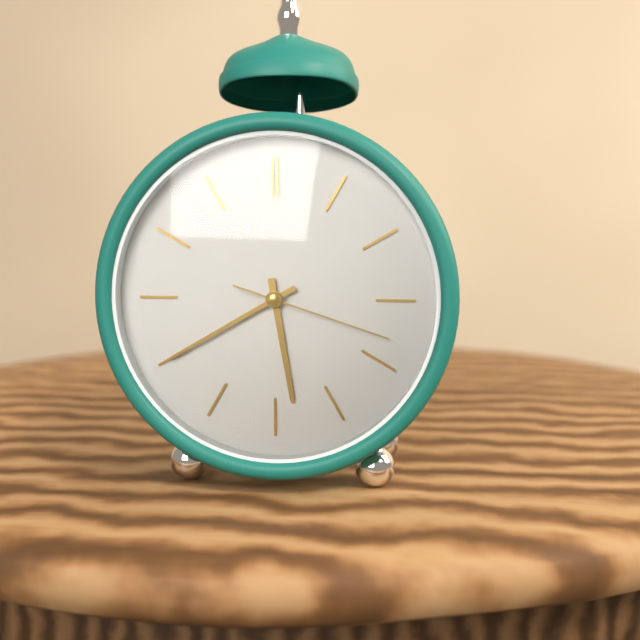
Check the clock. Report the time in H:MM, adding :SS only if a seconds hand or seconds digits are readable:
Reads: 5:40:18
